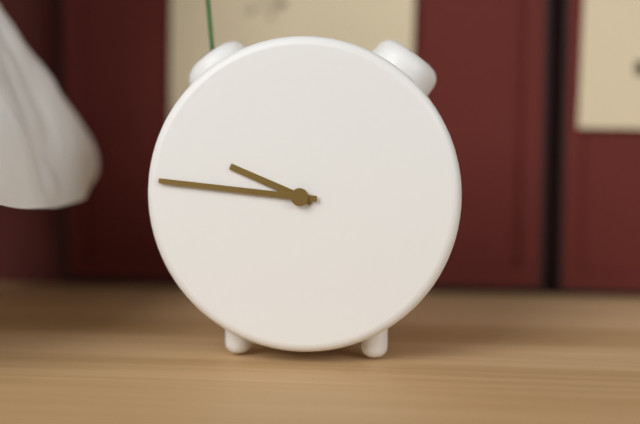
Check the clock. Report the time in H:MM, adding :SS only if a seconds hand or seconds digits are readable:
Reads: 9:46
